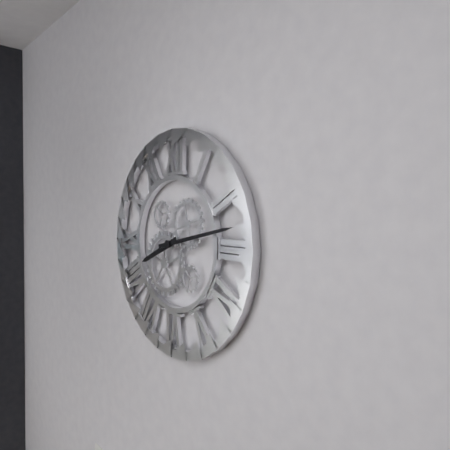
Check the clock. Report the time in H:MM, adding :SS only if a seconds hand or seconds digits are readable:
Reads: 8:13
